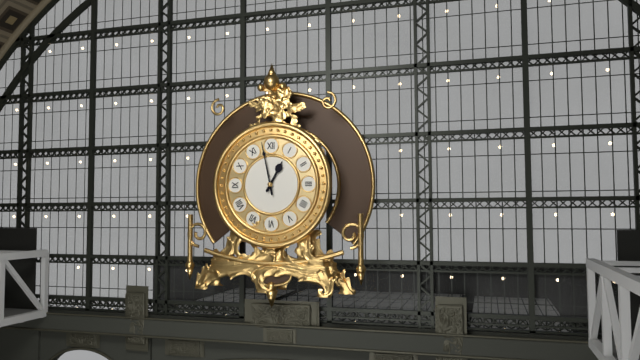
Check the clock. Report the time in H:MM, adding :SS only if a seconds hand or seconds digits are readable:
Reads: 12:58
